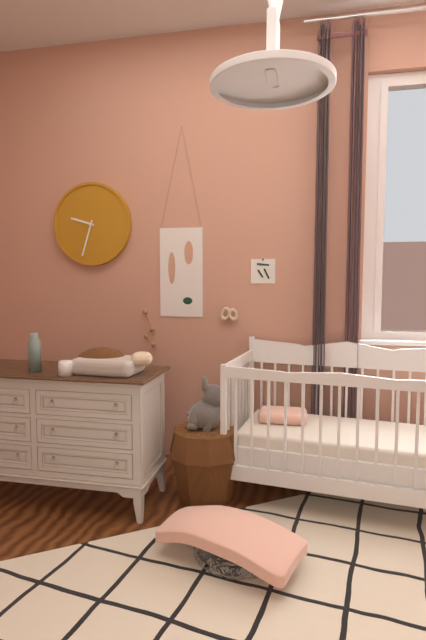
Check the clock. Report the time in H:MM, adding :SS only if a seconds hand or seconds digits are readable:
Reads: 9:33
